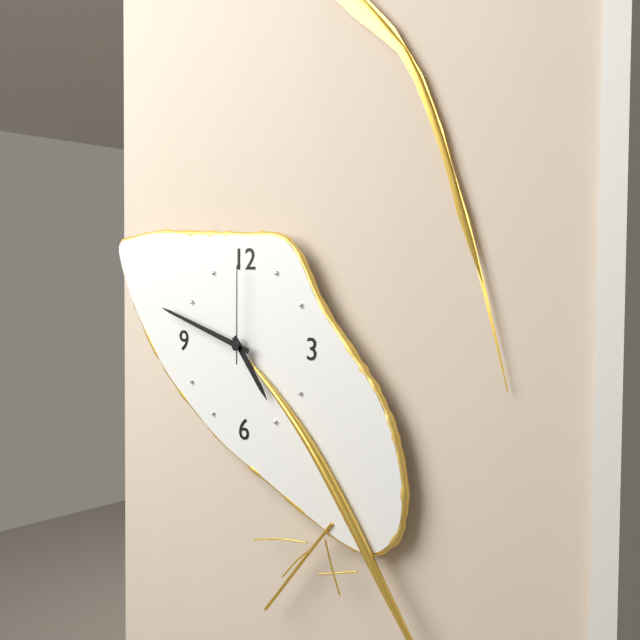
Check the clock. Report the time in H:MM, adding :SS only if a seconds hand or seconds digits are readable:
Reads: 4:48:00
